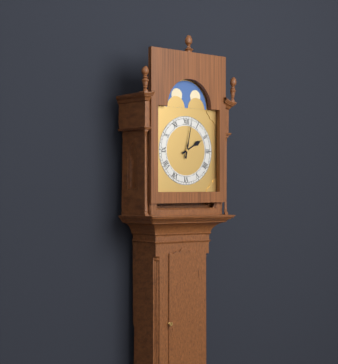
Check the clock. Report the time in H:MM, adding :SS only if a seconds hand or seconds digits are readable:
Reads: 2:02
